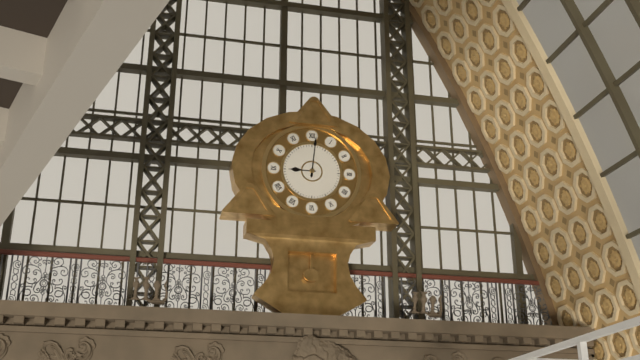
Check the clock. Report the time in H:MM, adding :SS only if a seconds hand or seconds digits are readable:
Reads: 9:01
